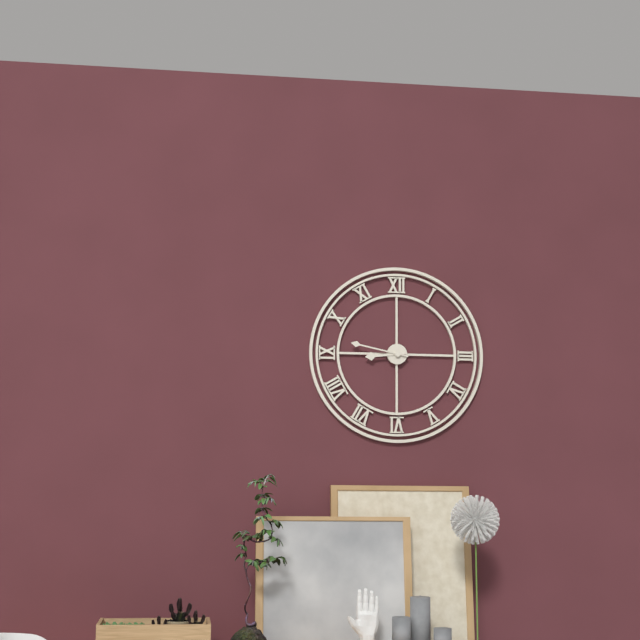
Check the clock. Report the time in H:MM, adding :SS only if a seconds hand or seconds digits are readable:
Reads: 8:47
